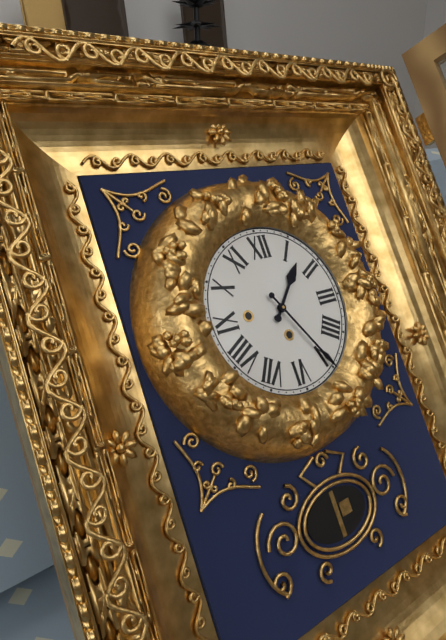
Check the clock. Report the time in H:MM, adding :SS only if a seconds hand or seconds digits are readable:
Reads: 1:25
